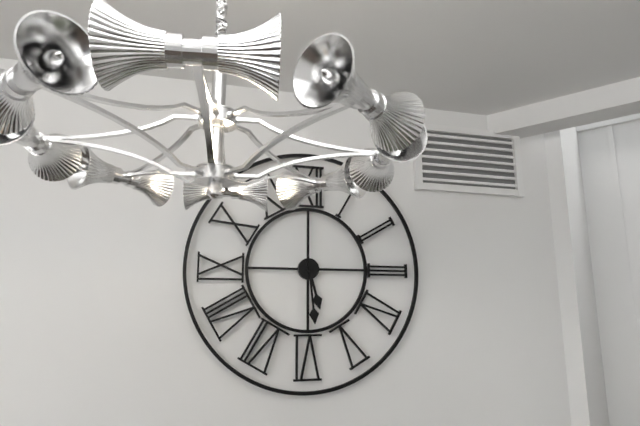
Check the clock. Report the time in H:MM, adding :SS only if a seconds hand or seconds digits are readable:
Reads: 5:29
